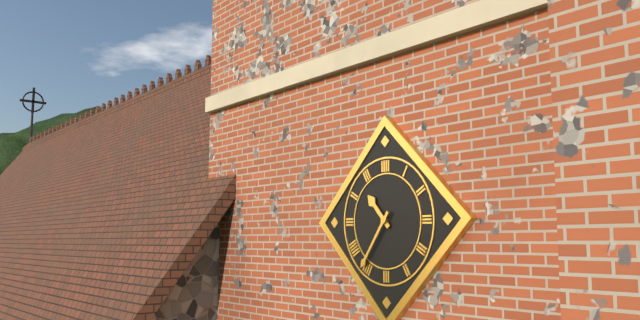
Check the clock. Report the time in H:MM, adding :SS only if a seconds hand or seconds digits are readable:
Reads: 10:36
